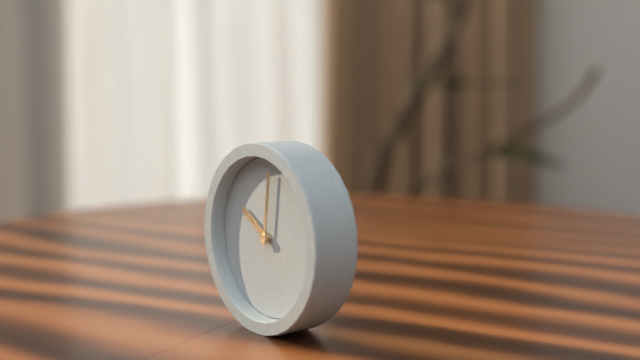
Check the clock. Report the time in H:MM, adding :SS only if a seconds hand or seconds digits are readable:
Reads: 10:01
